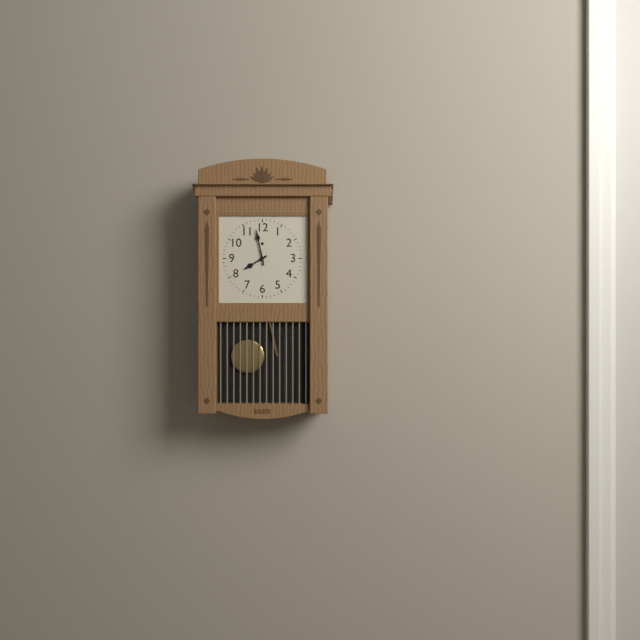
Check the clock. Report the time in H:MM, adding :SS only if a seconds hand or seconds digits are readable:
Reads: 7:58
